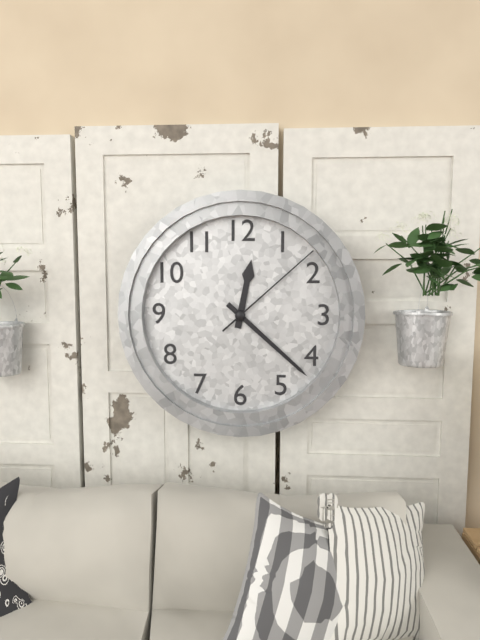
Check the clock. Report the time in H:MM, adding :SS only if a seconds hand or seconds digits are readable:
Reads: 12:22:08
